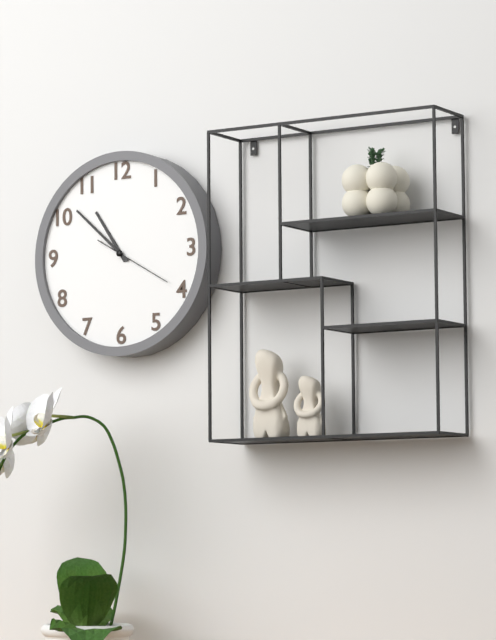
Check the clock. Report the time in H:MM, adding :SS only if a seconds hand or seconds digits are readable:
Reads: 10:52:20
